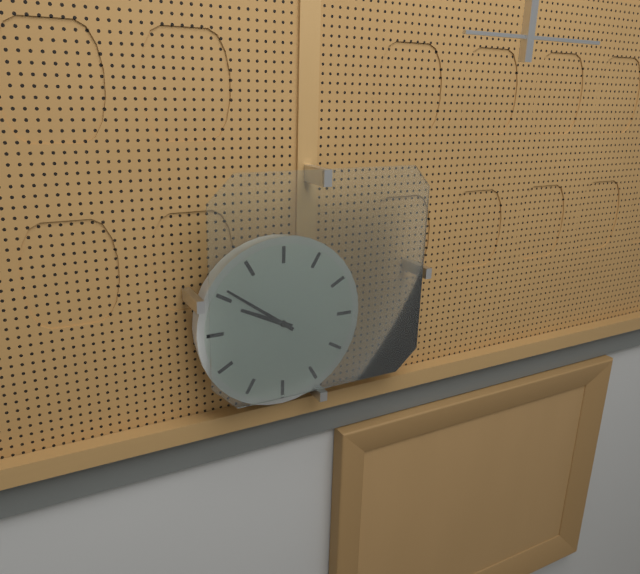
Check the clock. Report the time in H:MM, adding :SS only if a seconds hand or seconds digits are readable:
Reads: 9:51
